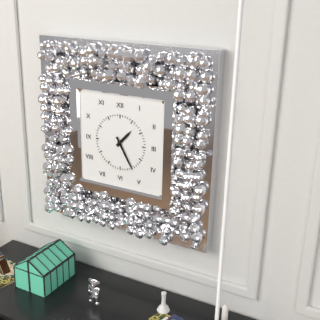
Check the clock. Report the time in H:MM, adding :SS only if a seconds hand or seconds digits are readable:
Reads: 1:25
